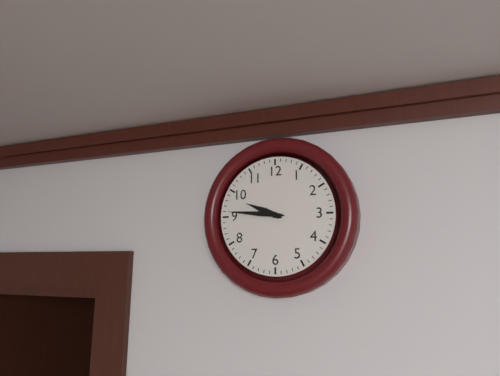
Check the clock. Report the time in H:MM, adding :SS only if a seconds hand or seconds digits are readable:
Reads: 9:46
